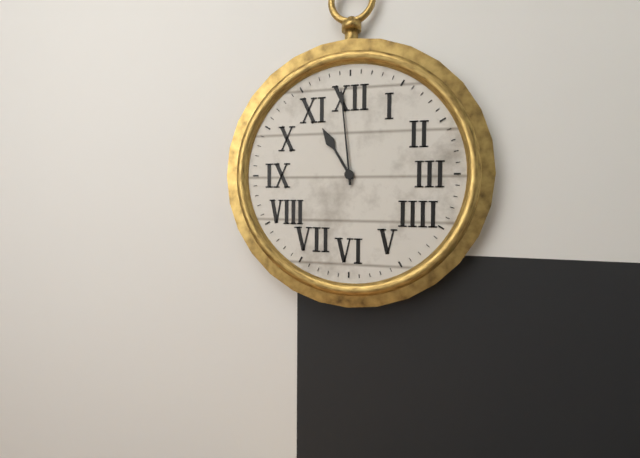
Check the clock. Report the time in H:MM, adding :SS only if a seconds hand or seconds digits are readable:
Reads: 10:59
